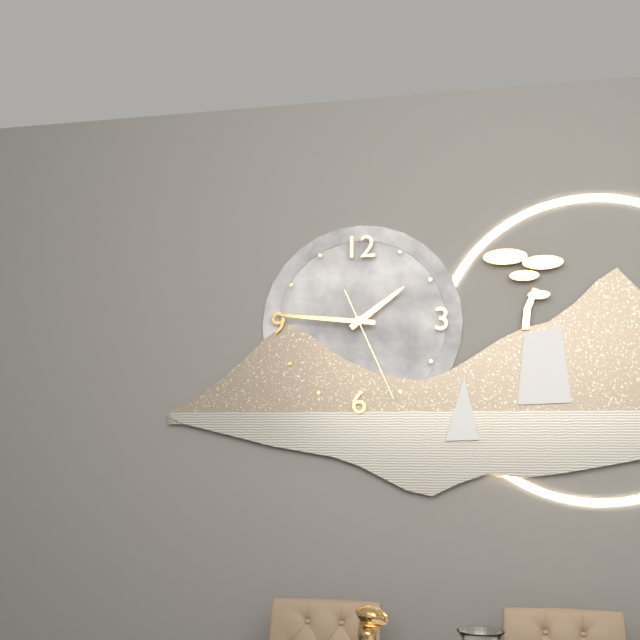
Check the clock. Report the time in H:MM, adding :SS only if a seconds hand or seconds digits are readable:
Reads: 1:46:26
